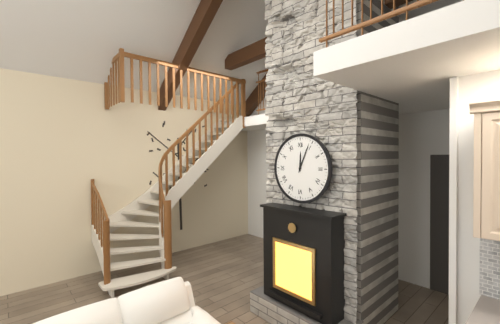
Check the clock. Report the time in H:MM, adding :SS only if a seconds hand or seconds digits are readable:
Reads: 12:04
